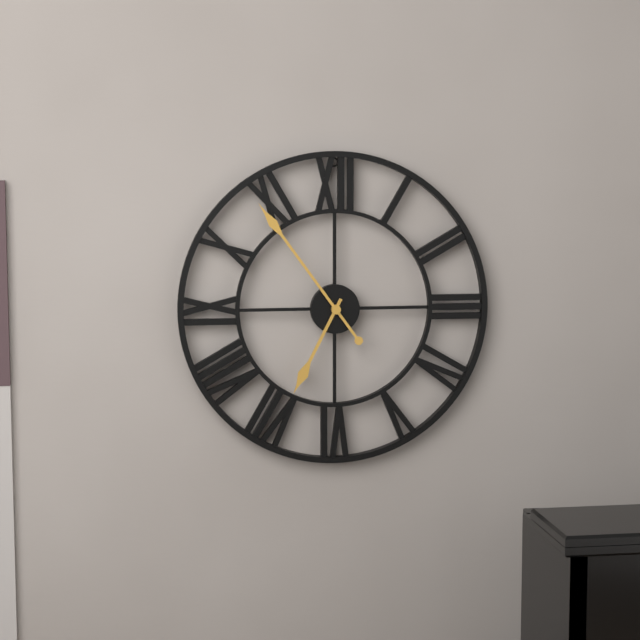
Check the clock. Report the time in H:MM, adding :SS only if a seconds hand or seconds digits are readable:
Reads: 6:54
